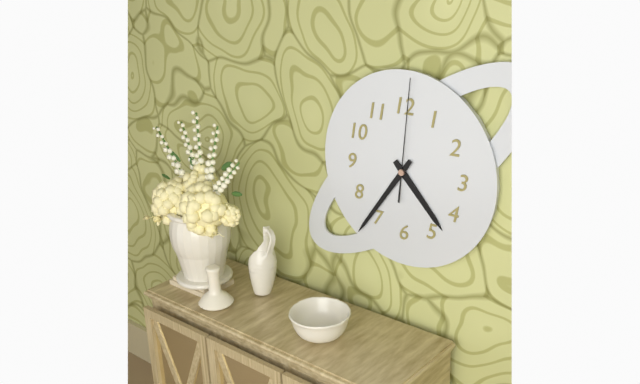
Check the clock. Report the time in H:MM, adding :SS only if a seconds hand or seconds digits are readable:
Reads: 4:36:01
